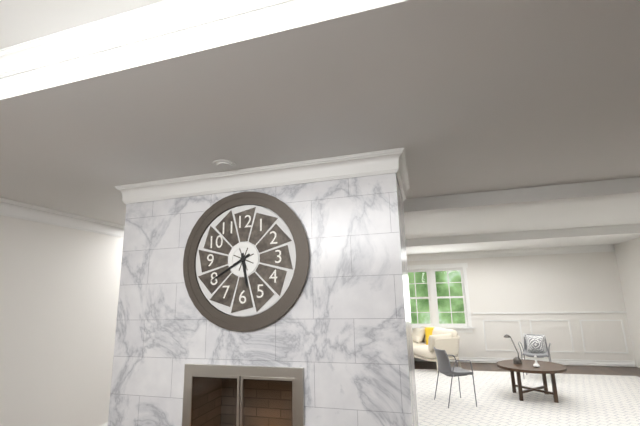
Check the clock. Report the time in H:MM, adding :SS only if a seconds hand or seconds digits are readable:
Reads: 5:40
